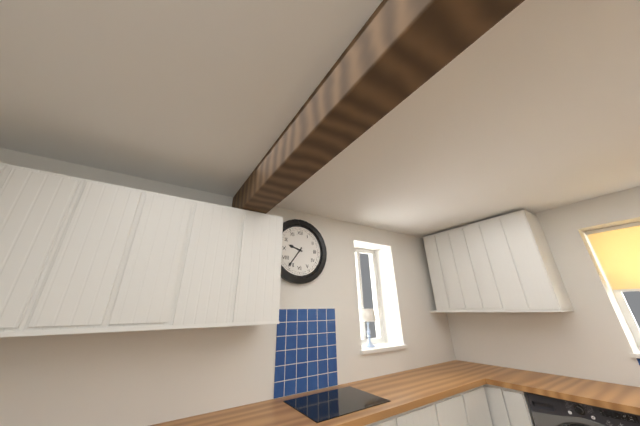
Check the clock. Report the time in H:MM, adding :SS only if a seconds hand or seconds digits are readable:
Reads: 9:36
